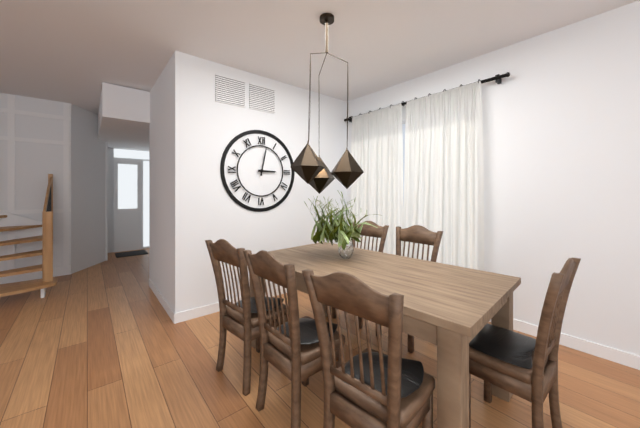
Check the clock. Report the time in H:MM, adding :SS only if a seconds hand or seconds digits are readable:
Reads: 3:02
